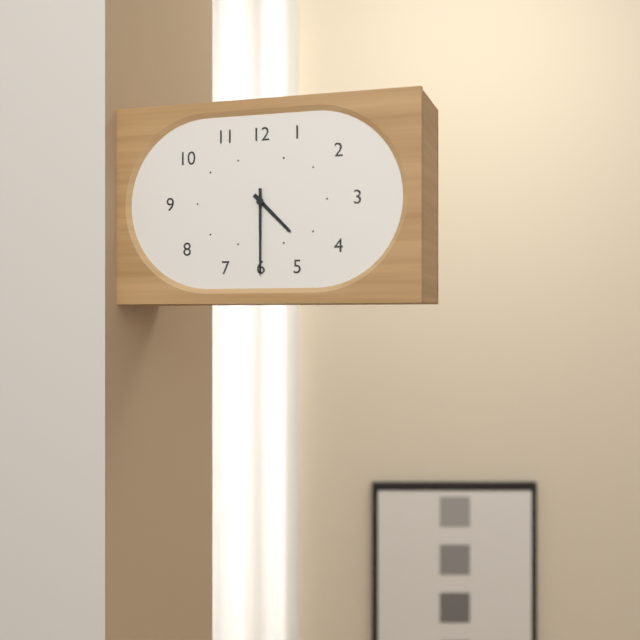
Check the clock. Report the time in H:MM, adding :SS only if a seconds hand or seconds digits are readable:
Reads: 4:30
